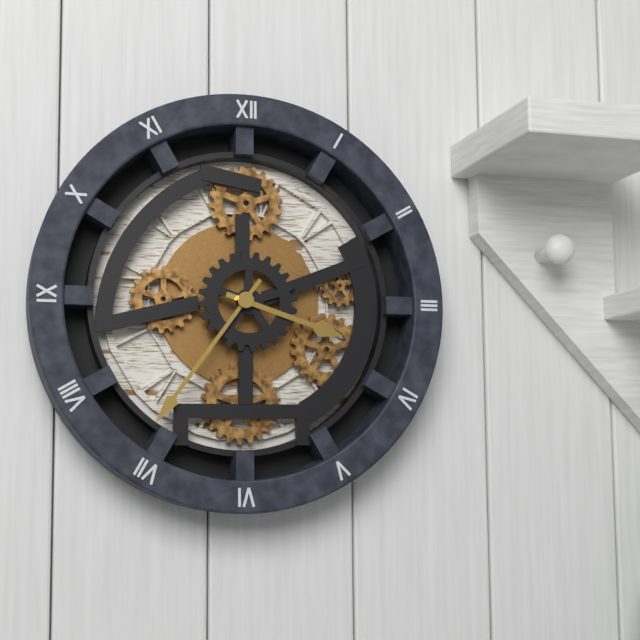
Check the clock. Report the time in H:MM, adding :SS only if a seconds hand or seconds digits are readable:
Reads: 3:36
